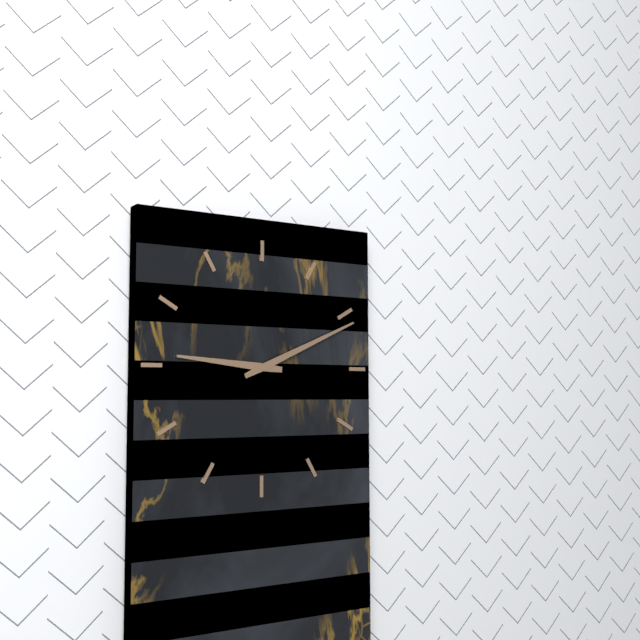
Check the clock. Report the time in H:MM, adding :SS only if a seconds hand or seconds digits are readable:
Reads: 9:11
